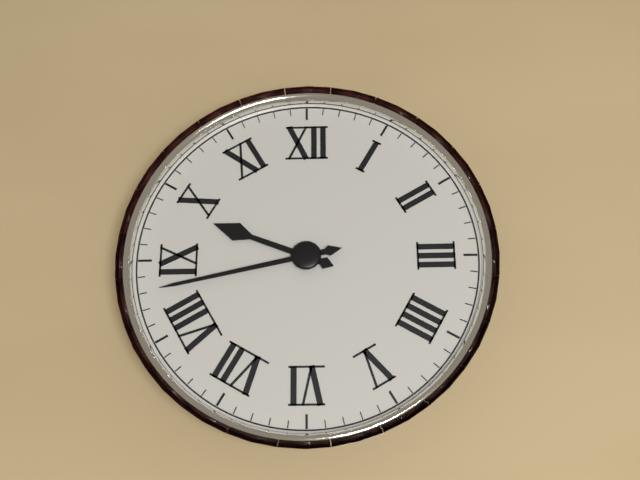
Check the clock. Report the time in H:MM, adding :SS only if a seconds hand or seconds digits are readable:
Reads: 9:43
